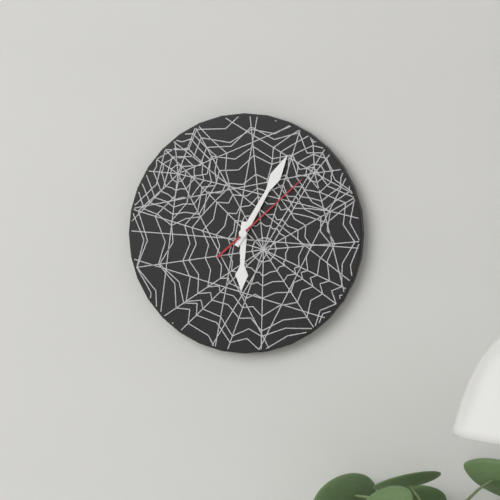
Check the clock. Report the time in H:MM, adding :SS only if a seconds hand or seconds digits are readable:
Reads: 6:05:08
